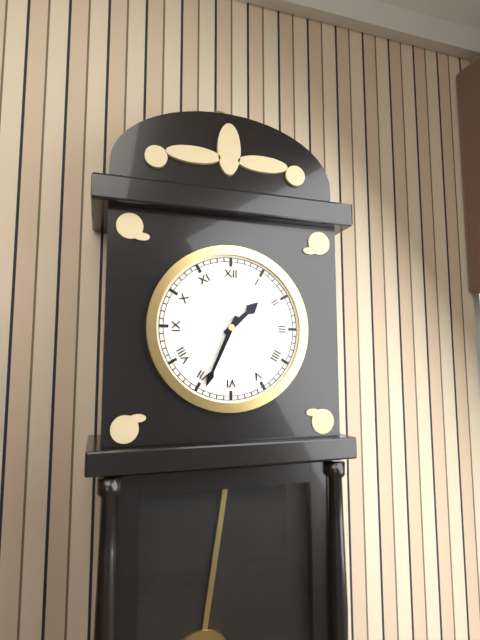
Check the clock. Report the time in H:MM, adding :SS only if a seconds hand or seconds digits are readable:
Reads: 1:34
